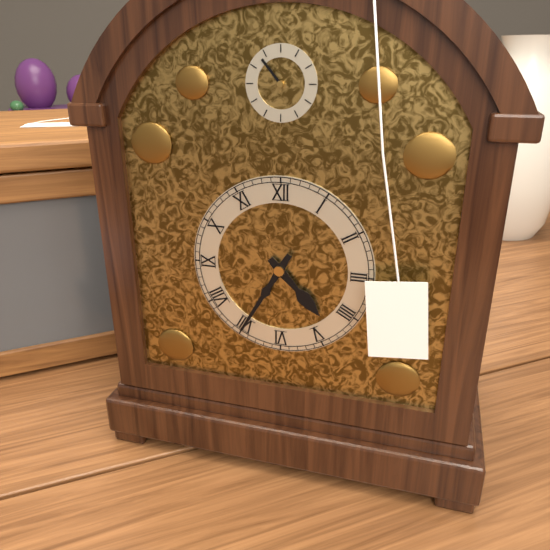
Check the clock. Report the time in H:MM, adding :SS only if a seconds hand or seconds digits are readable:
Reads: 4:35
